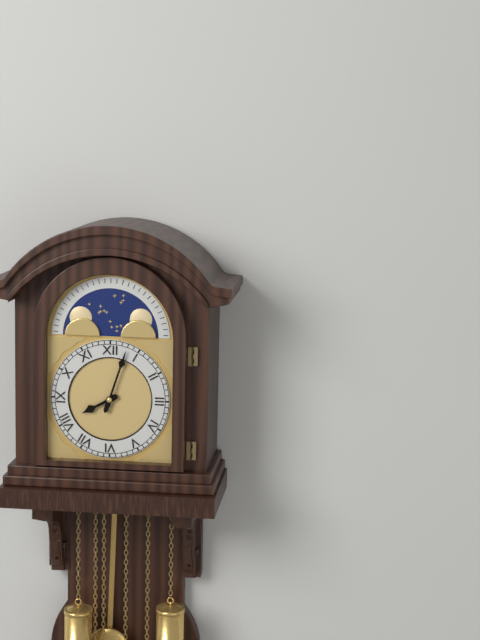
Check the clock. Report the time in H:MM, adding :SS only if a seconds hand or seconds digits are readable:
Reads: 8:03
